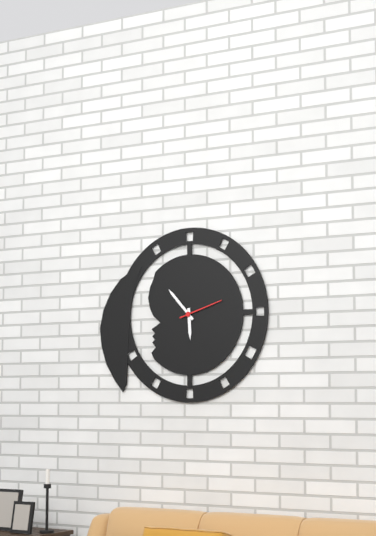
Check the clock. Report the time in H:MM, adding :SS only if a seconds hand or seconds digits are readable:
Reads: 5:53
